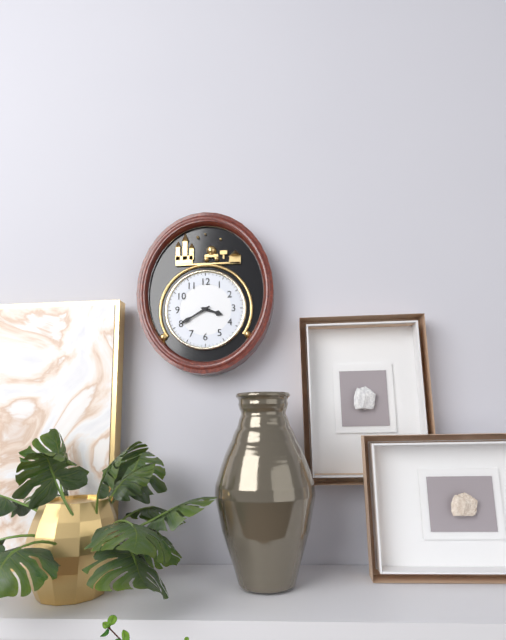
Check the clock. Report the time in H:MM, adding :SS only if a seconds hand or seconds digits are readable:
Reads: 3:40
